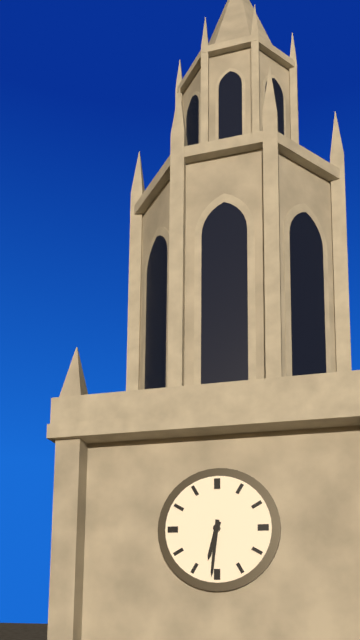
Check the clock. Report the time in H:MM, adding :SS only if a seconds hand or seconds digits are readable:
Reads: 6:31
